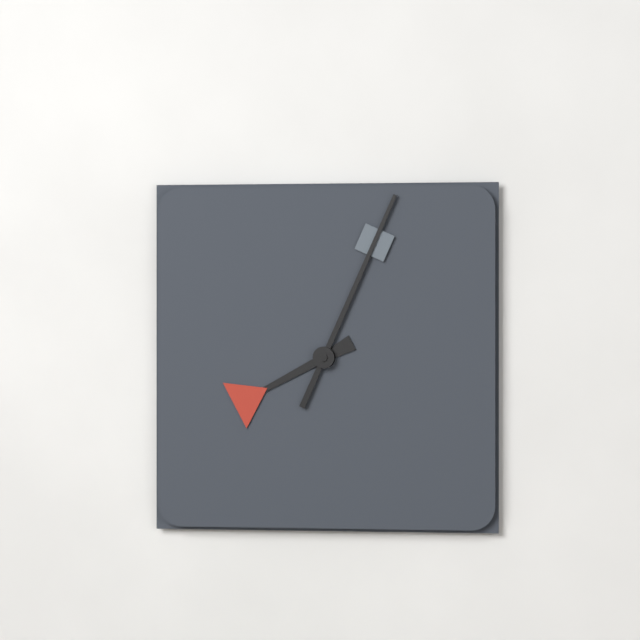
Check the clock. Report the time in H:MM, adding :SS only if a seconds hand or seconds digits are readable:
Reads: 8:04
